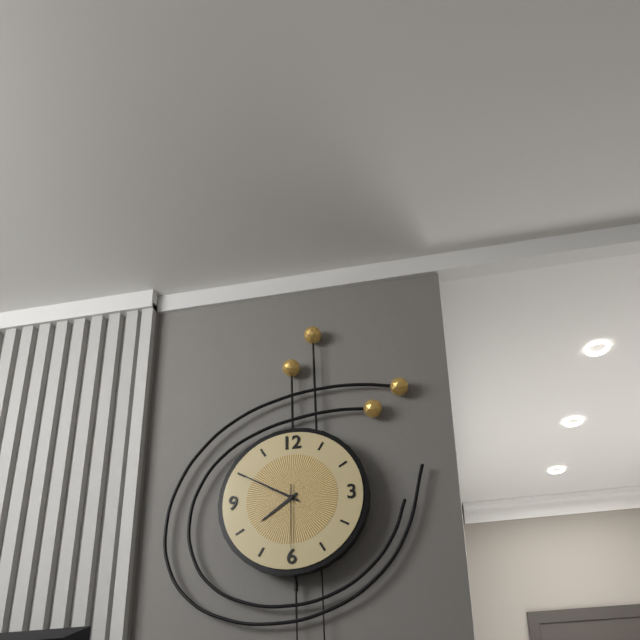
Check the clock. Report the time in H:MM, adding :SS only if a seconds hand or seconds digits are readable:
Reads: 7:50:30
